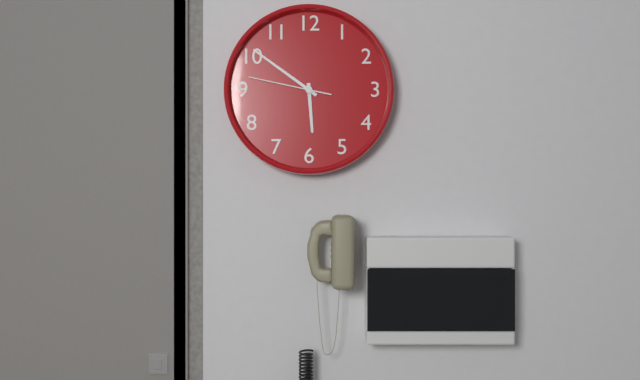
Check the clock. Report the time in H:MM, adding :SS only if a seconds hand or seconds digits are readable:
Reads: 5:51:47
